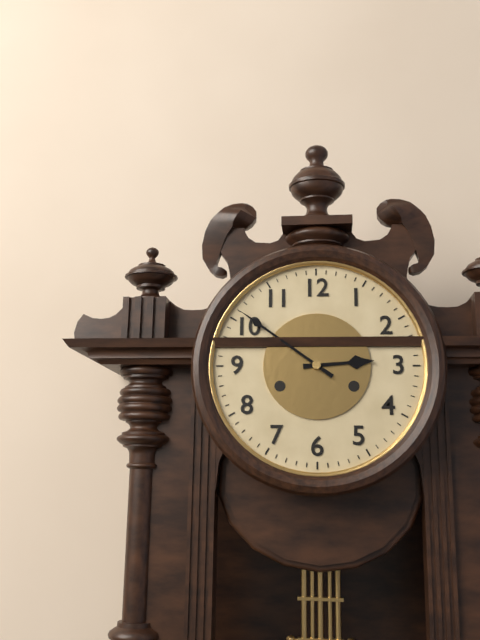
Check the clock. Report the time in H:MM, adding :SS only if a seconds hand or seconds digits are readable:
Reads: 2:51
